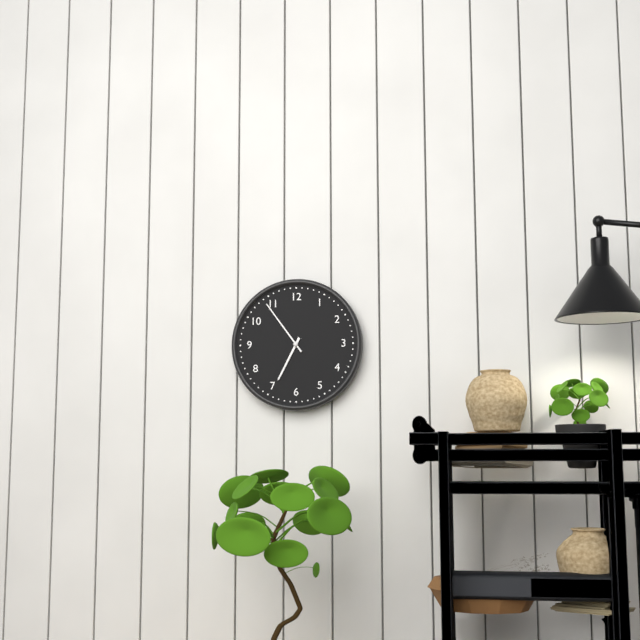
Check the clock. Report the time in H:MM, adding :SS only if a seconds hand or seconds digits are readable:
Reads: 6:54
